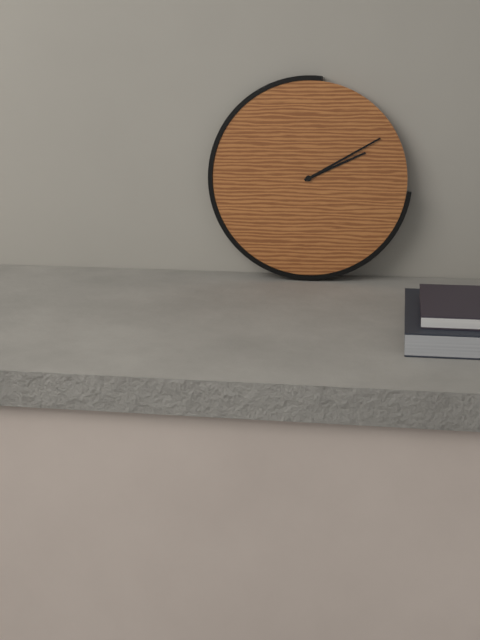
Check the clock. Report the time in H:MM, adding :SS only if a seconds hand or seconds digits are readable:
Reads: 2:10
